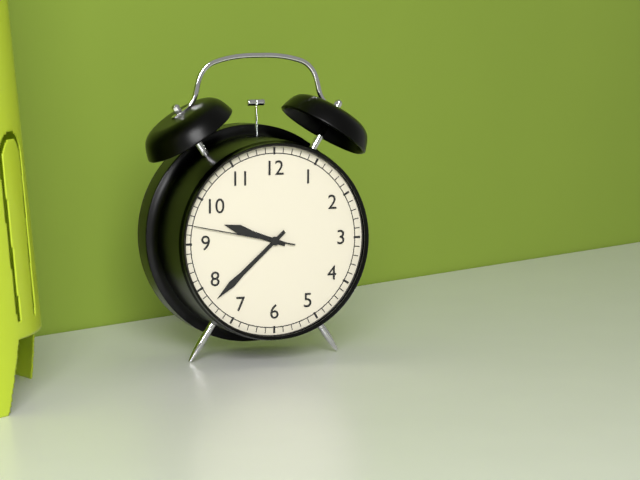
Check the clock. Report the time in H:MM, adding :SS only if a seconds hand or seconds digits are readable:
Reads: 9:38:47
